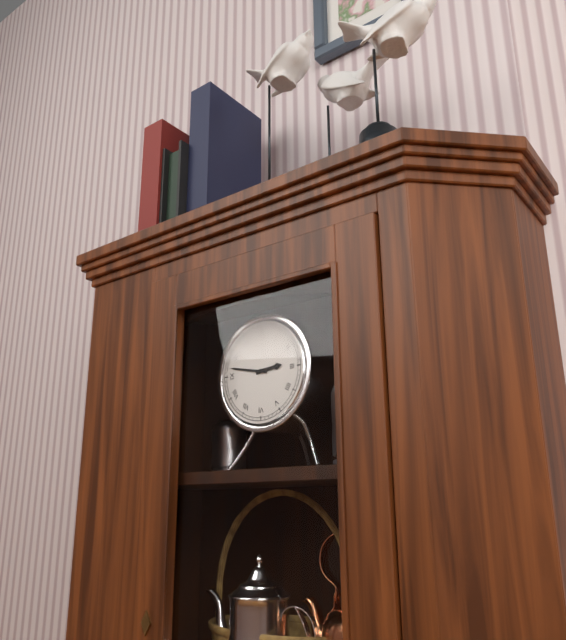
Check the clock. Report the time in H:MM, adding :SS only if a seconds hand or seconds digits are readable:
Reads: 2:47
